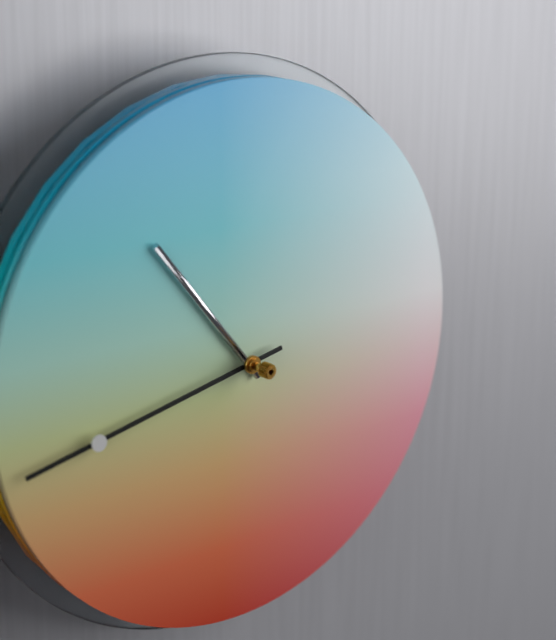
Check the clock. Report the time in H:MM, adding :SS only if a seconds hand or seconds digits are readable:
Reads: 10:43
